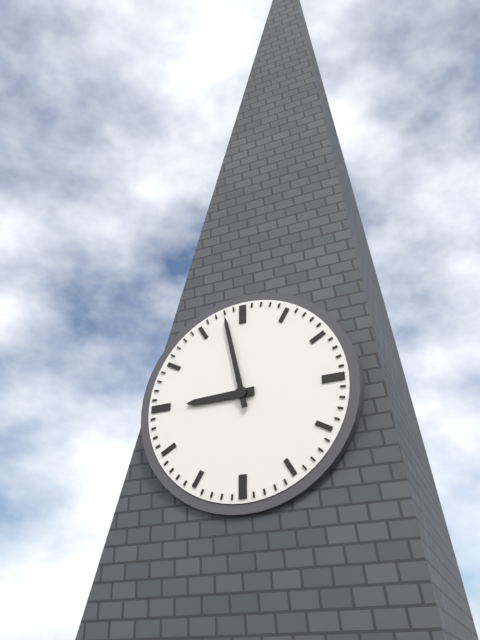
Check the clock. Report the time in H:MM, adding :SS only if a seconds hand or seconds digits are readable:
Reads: 8:58
